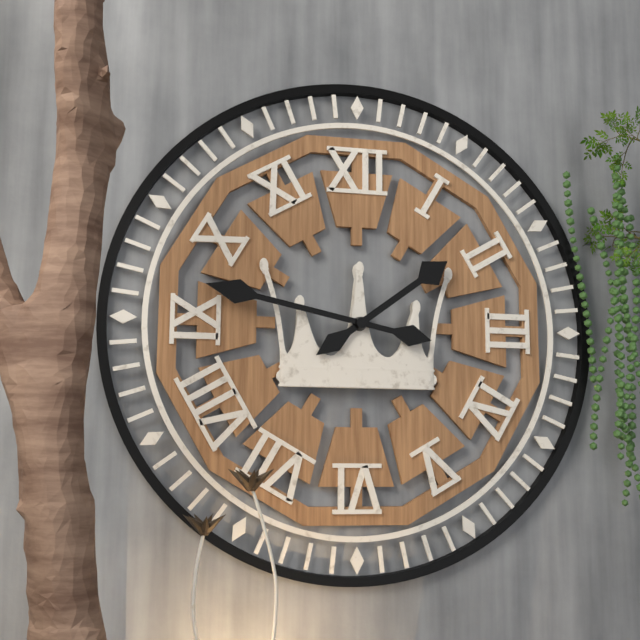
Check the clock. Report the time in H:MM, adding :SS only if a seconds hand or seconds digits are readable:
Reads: 1:47
